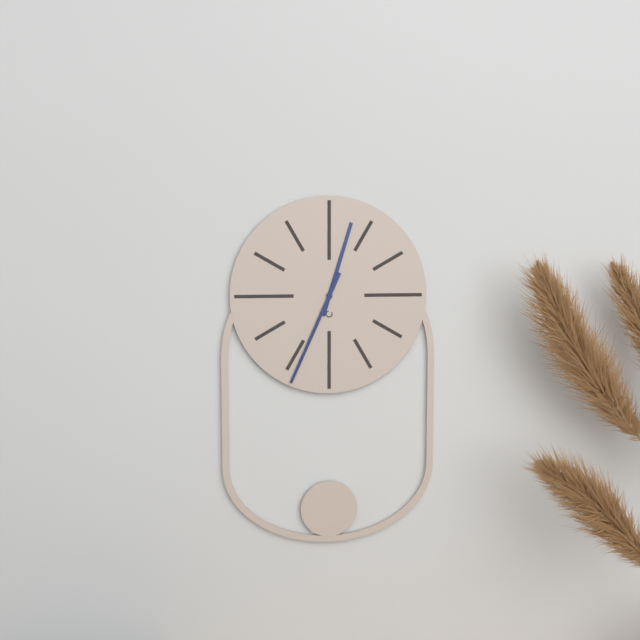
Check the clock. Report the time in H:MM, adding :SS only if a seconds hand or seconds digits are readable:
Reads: 12:34
